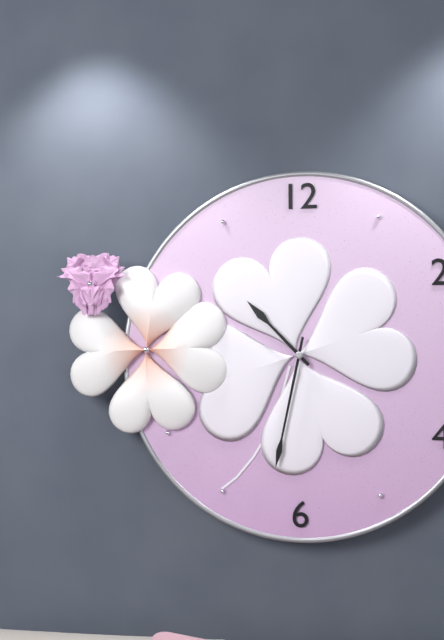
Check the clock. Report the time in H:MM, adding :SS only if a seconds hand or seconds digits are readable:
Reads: 10:32
